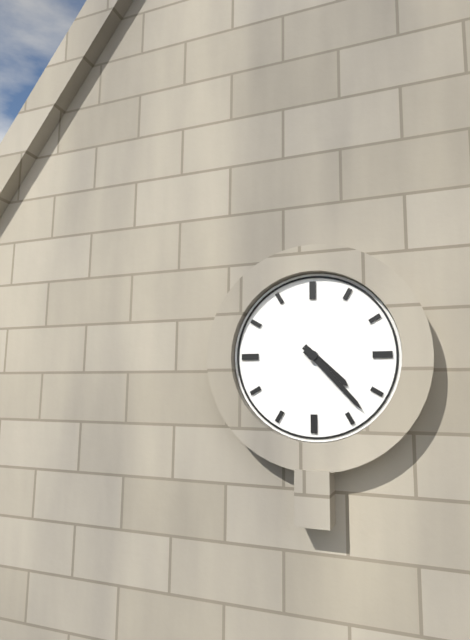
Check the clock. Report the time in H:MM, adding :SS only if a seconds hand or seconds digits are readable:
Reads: 4:23
